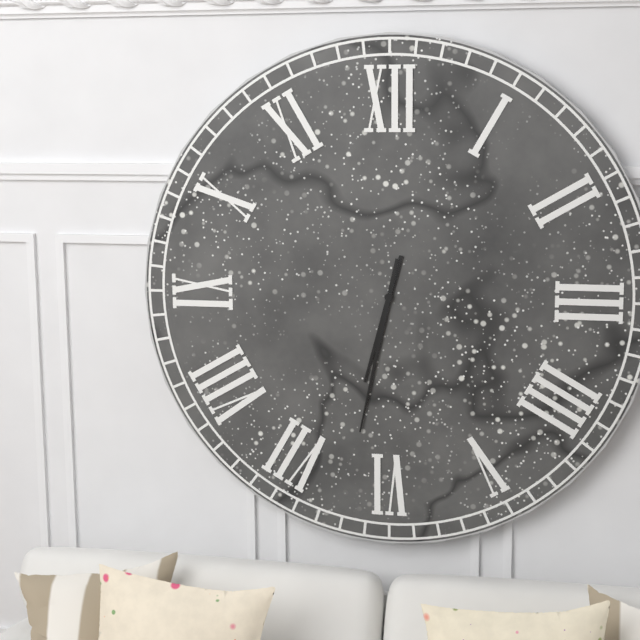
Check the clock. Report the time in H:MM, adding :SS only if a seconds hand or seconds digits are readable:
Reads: 6:32
